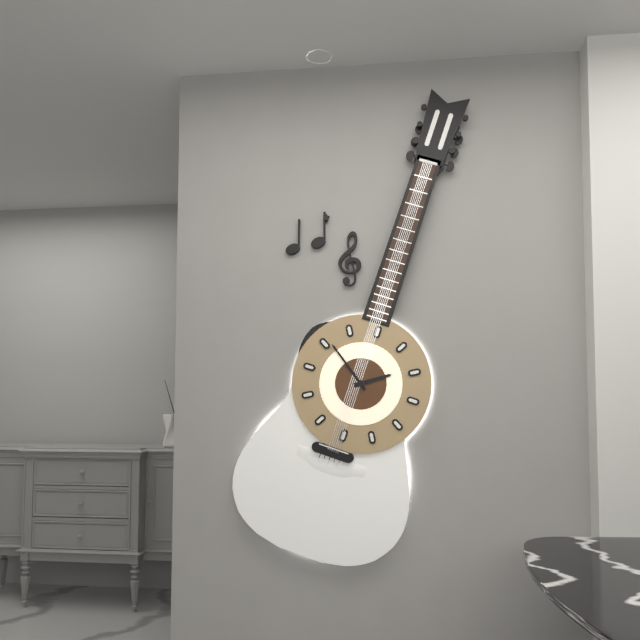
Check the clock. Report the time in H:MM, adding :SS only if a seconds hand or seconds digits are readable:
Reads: 1:51
